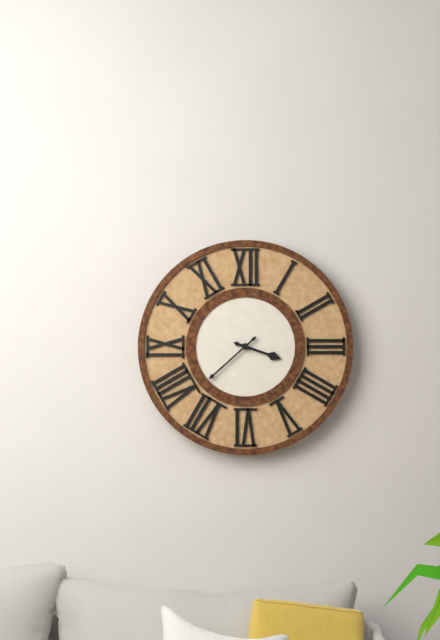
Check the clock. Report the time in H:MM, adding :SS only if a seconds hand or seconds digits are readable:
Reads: 3:38
